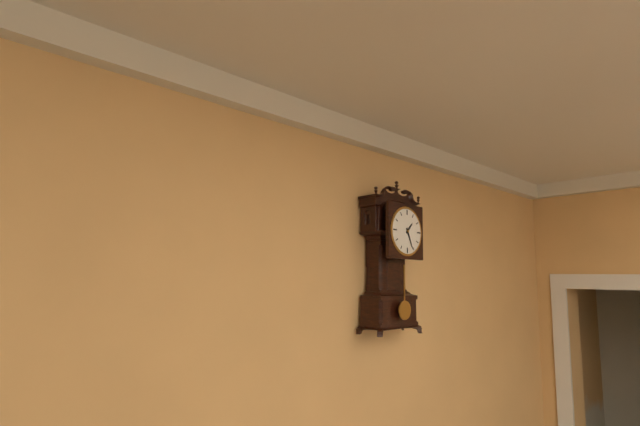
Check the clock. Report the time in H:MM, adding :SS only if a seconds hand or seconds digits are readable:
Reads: 1:26
